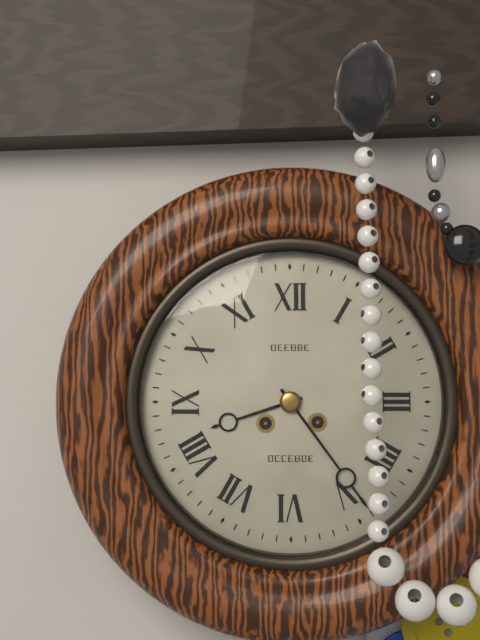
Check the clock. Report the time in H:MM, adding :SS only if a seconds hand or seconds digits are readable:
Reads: 8:24
